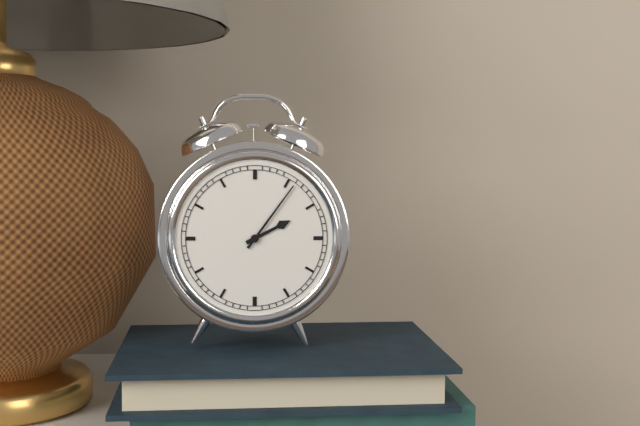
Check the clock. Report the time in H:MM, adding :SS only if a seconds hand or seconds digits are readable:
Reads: 2:06
